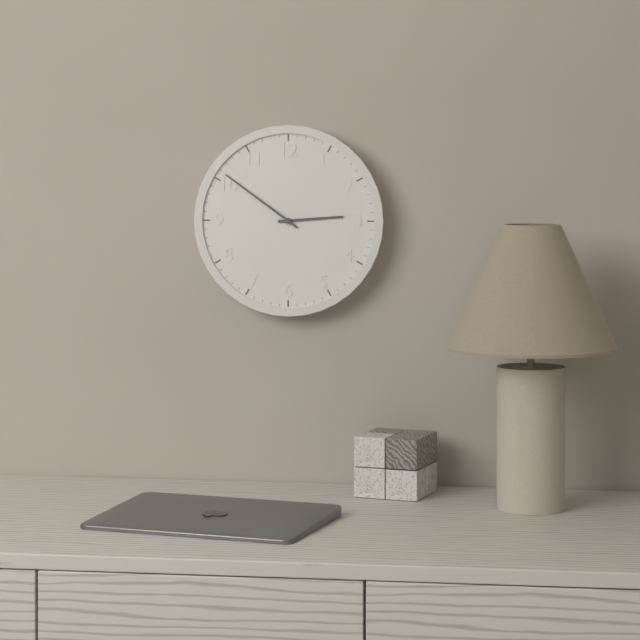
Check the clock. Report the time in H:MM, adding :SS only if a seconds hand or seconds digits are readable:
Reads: 2:51
